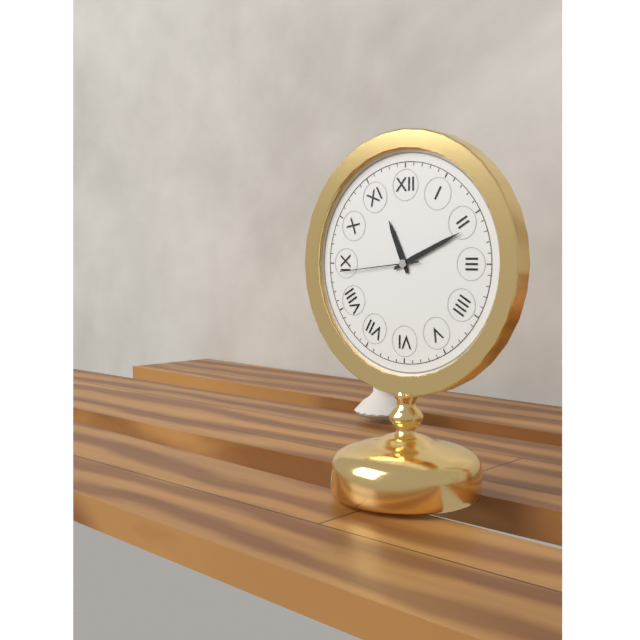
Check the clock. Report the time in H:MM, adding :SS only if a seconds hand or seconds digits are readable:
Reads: 11:11:44
